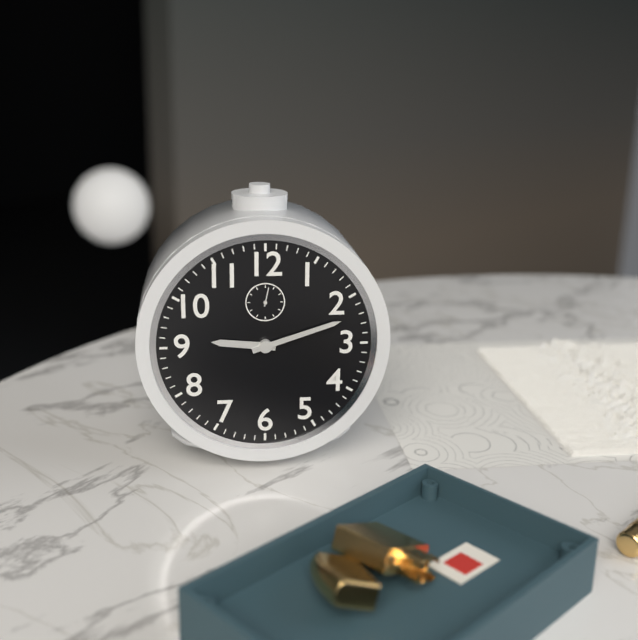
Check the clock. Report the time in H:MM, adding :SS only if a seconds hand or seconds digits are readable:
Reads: 9:12
